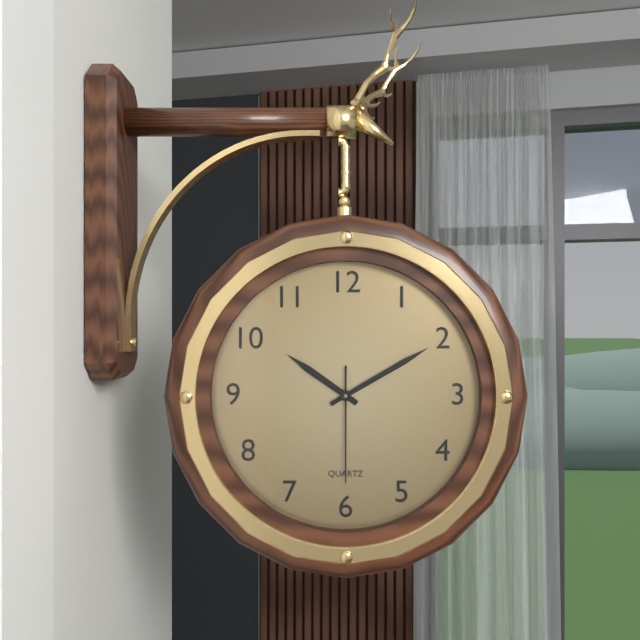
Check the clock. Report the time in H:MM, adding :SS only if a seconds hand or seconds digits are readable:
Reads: 10:10:30
